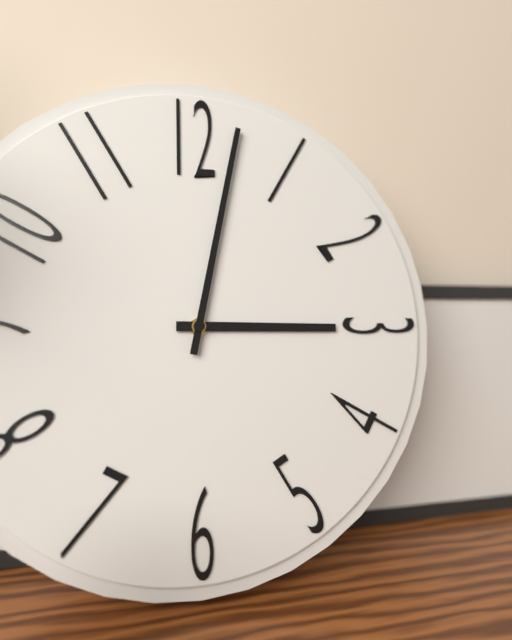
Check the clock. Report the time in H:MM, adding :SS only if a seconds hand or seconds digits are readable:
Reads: 3:02
